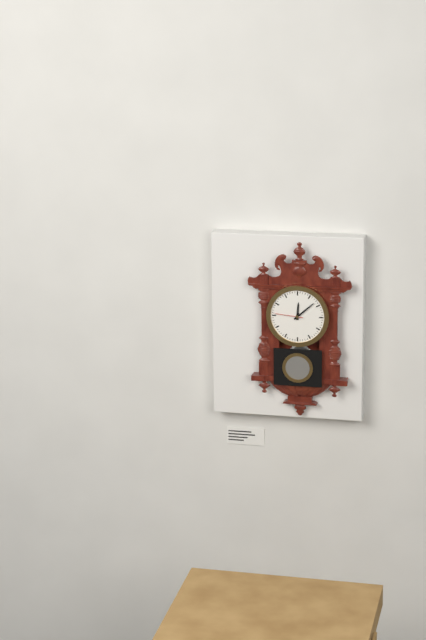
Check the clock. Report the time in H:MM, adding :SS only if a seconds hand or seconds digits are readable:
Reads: 12:08
